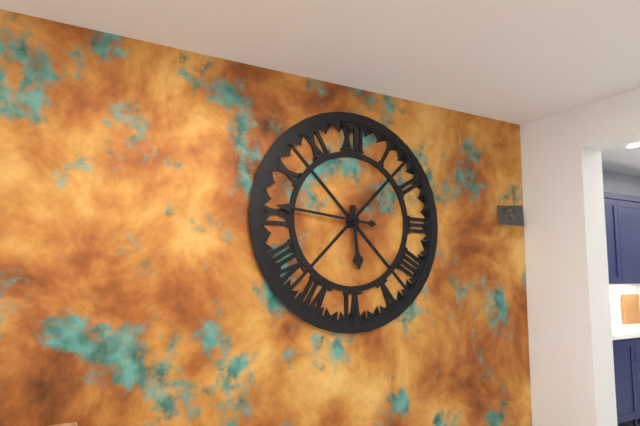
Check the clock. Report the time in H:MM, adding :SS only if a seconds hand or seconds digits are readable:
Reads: 5:46
